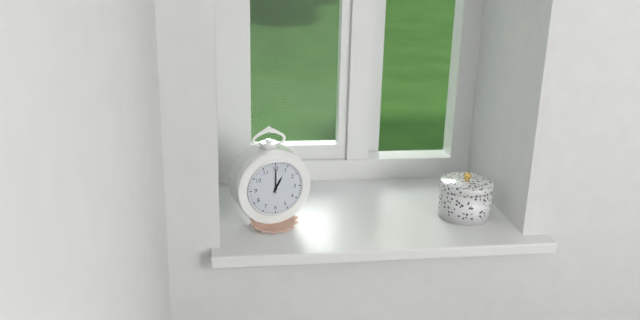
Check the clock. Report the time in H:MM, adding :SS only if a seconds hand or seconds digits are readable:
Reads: 1:00
